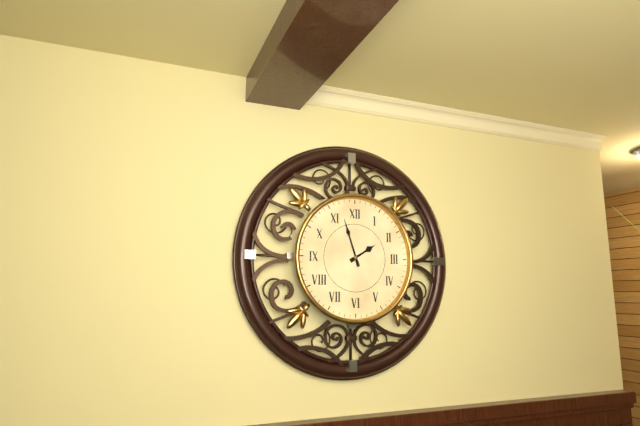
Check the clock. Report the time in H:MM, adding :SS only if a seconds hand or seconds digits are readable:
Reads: 1:57
